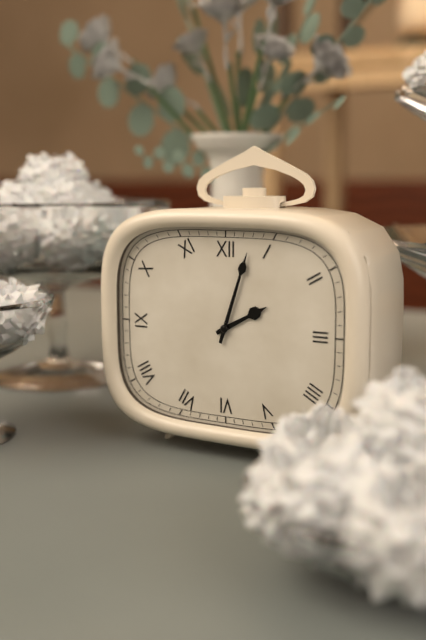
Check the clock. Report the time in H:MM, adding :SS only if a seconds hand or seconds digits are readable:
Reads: 2:03
